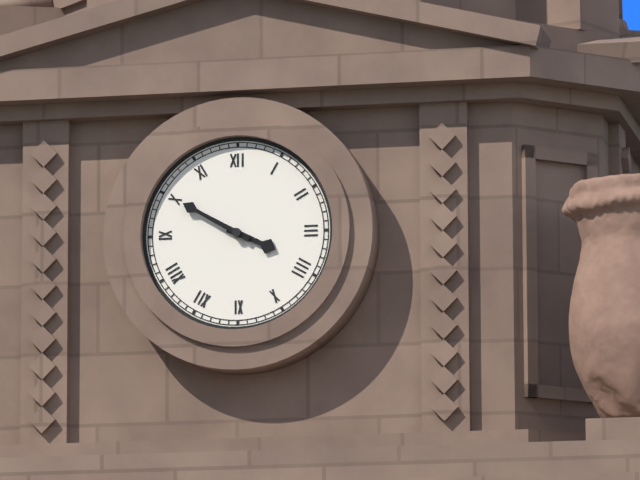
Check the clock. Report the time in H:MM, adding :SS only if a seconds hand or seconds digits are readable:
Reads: 3:50
